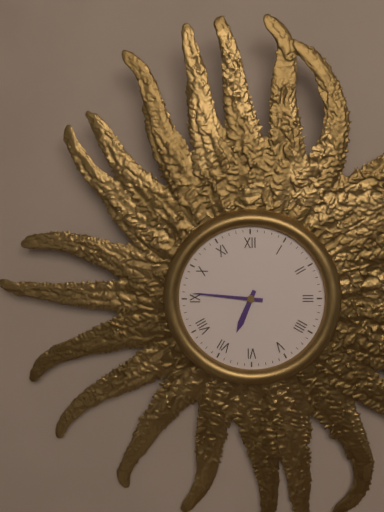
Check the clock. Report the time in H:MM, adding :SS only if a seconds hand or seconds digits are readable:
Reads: 6:46
